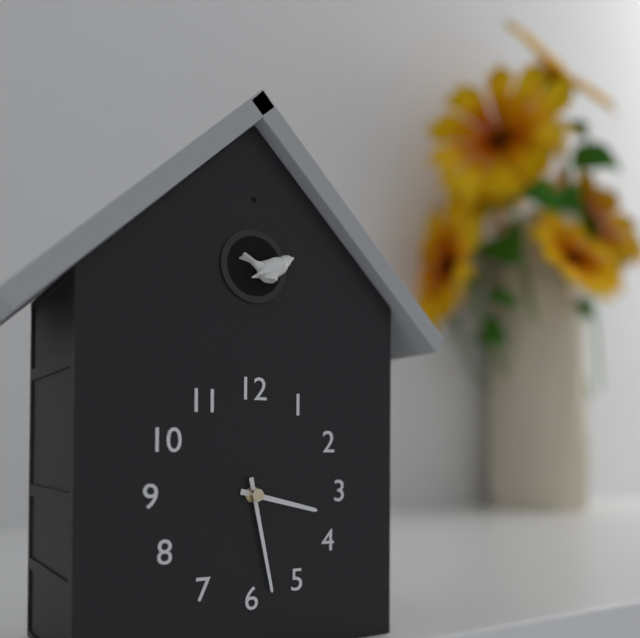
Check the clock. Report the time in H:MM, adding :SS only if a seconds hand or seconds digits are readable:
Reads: 3:28
